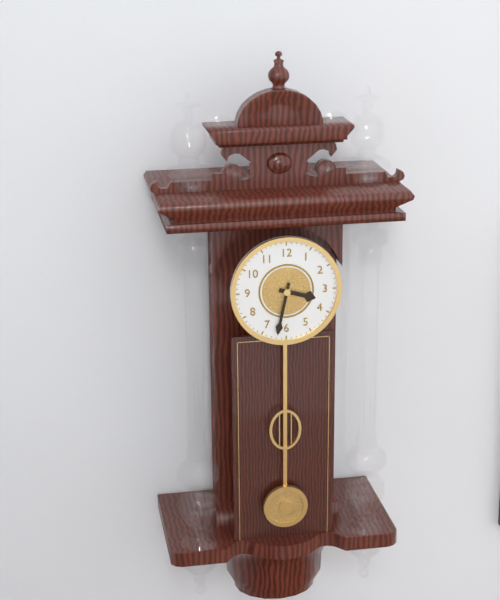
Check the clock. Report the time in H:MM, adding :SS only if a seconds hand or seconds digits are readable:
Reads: 3:32
